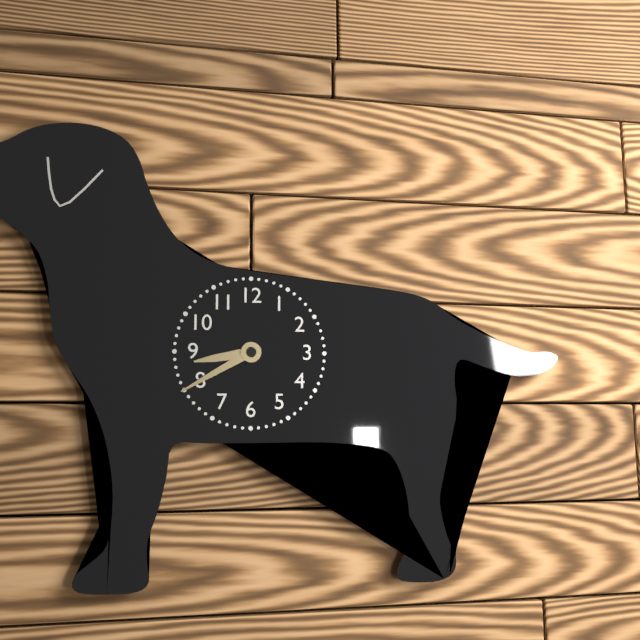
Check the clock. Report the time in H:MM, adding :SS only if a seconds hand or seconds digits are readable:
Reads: 8:40
